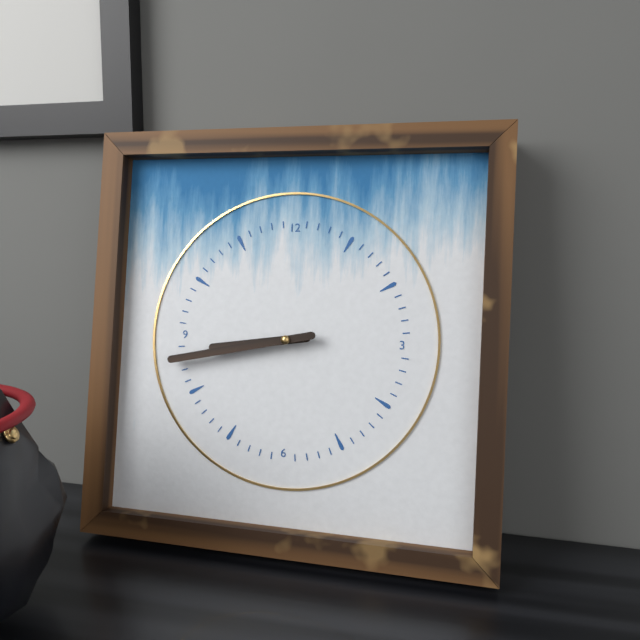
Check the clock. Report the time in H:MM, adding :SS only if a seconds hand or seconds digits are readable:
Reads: 8:43
